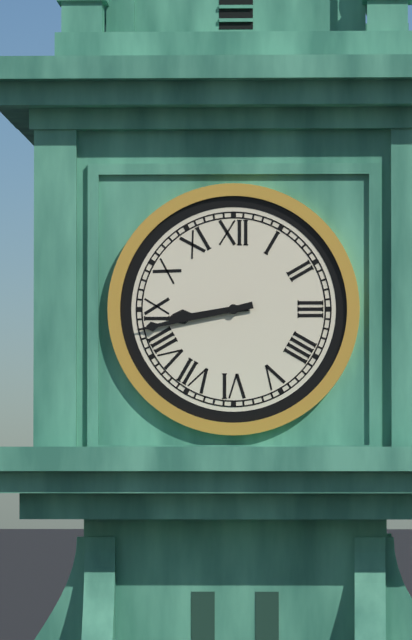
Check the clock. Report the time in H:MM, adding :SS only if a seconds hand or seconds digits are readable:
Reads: 8:43
